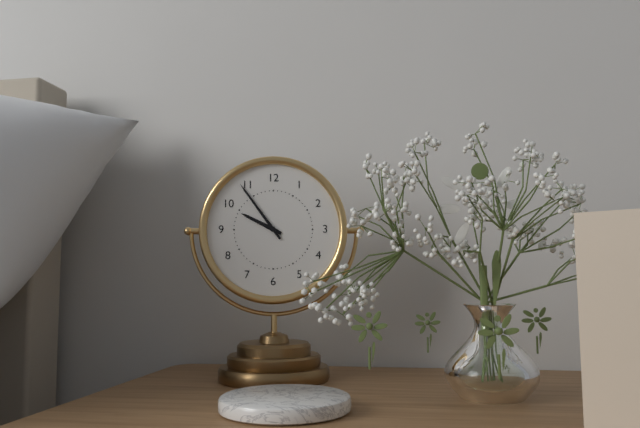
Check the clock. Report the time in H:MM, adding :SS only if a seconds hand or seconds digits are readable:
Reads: 9:54
